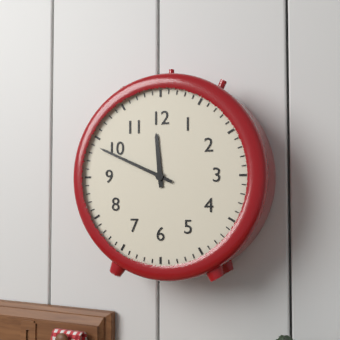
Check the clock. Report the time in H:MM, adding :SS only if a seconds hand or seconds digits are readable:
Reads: 11:49
